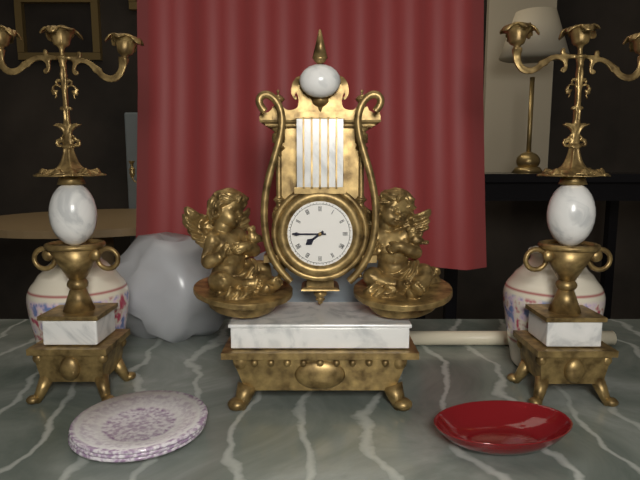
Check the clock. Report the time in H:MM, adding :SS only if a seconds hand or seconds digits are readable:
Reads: 7:45
